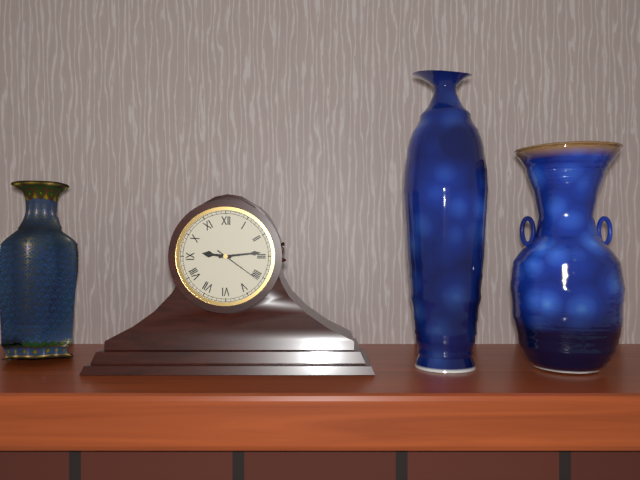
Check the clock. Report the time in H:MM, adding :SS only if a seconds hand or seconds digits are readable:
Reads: 9:14:21
